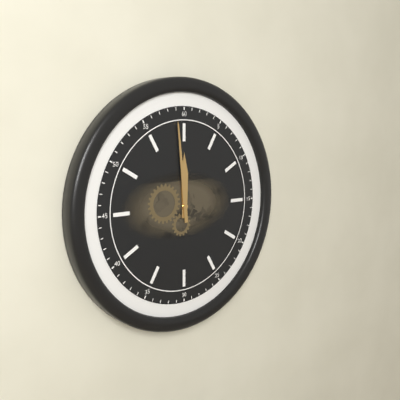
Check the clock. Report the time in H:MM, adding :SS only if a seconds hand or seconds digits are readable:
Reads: 11:59
